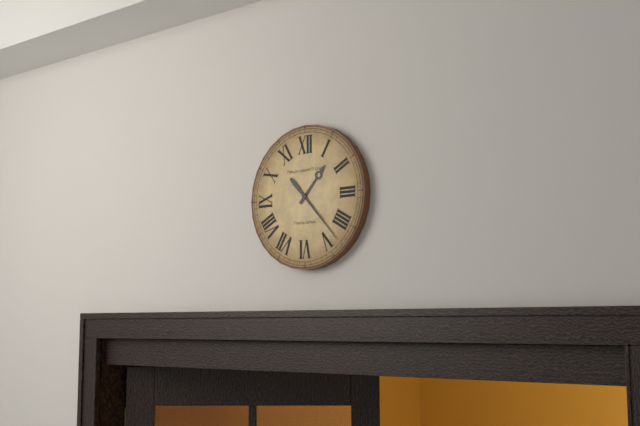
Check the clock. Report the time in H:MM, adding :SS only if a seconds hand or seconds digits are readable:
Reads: 1:23
